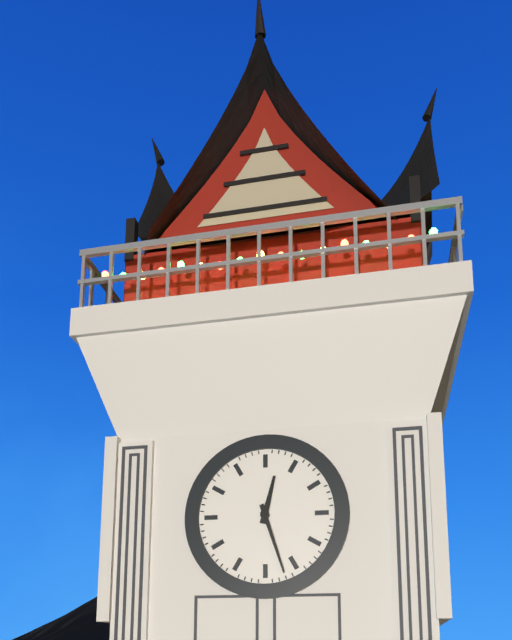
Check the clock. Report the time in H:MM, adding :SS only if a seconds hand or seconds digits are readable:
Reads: 12:27
